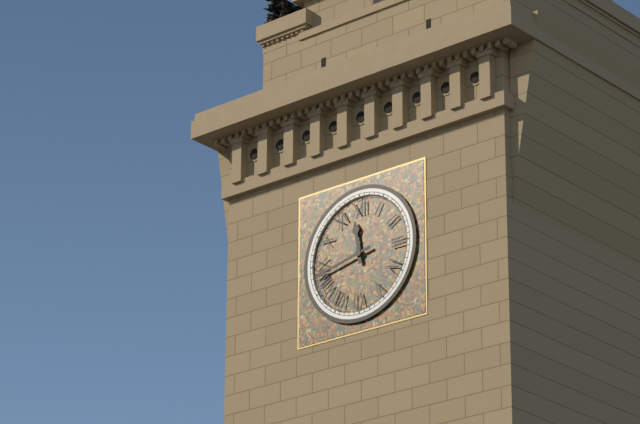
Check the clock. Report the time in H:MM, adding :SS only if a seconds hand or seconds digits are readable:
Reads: 11:43
